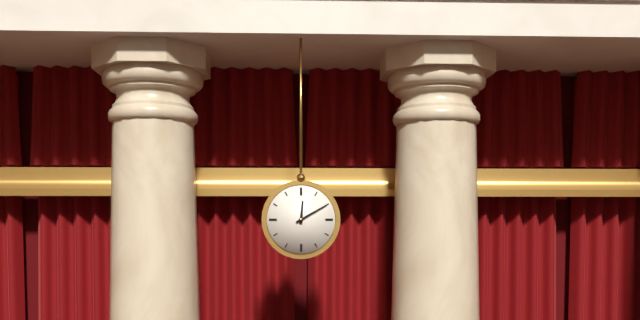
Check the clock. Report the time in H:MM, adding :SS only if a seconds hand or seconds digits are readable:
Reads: 12:10
